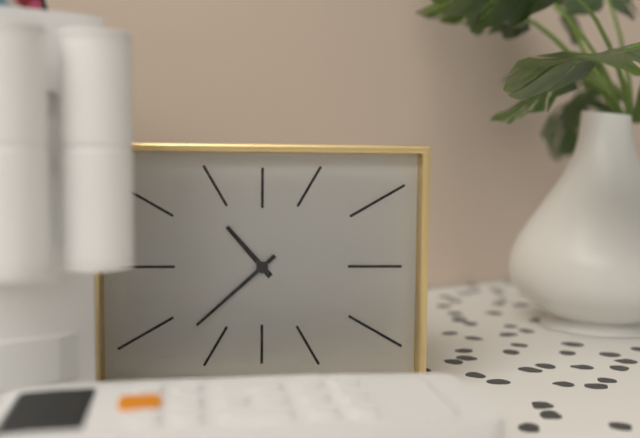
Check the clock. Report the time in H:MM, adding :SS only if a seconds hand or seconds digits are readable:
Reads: 10:38
